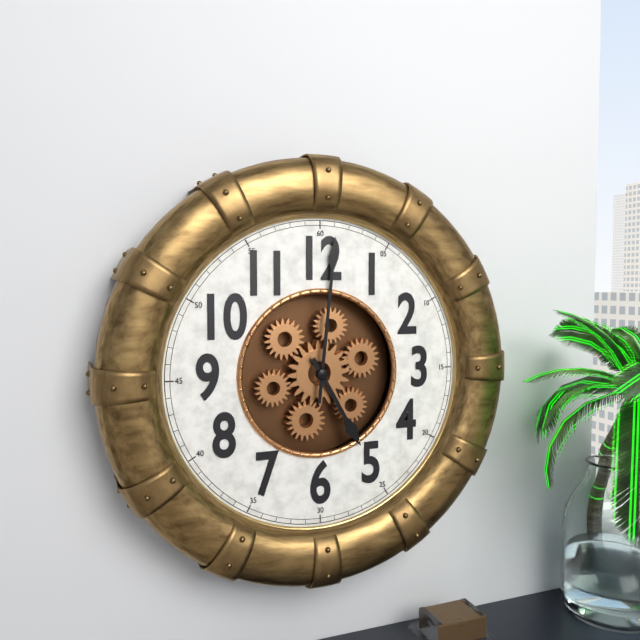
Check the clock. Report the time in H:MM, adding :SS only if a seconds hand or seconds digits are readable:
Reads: 5:01
